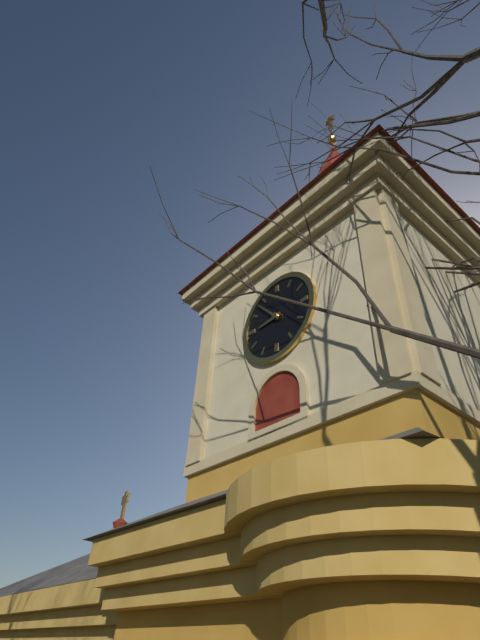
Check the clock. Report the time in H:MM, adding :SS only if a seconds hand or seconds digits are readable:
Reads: 8:53
